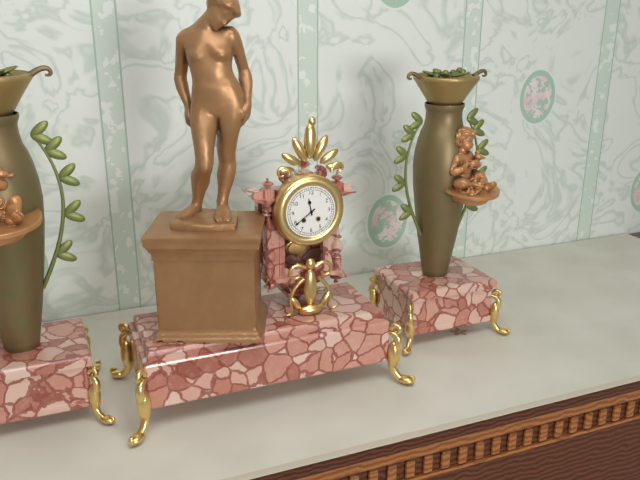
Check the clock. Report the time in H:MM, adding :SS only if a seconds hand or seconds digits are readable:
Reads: 11:39
